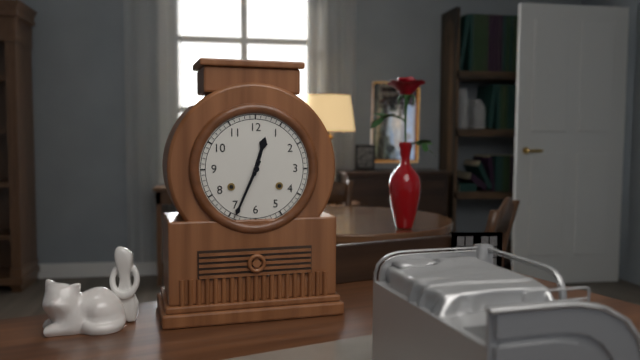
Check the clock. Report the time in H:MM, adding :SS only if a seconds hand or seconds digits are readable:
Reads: 12:34
